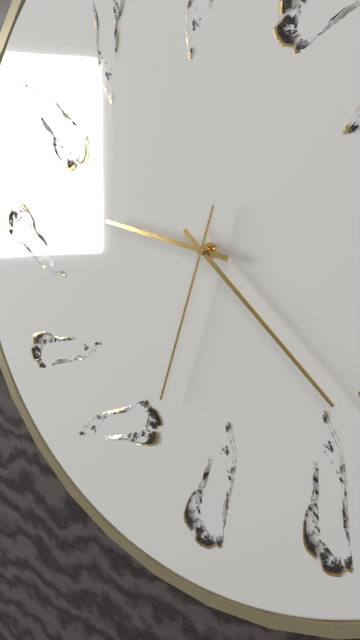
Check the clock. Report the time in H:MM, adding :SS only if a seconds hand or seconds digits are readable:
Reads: 9:22:33
